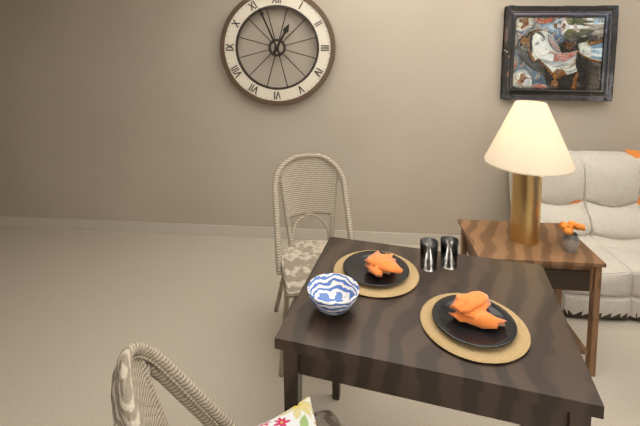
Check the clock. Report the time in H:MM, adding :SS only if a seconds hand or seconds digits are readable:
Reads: 12:56
